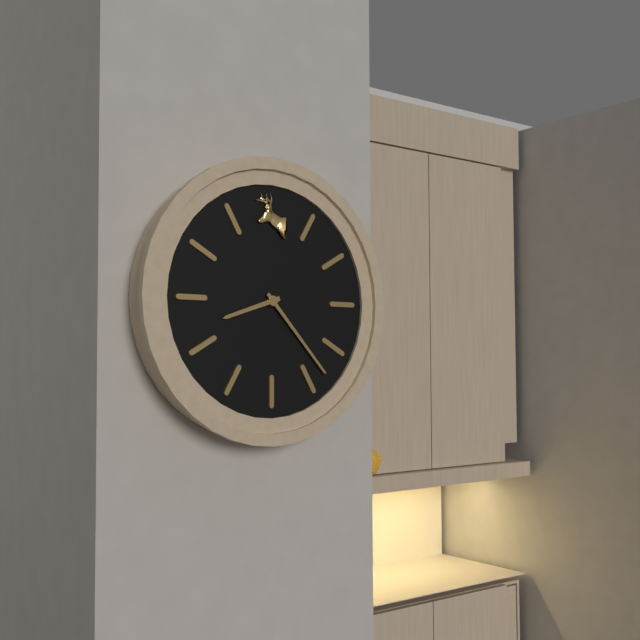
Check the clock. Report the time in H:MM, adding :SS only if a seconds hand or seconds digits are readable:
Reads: 8:23
